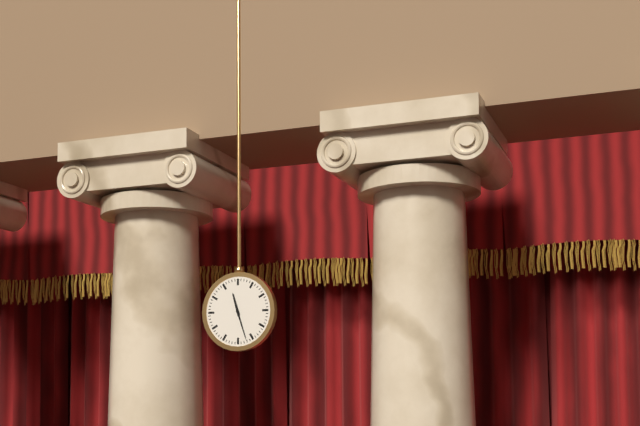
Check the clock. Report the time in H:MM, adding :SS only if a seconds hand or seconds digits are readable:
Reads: 11:27
